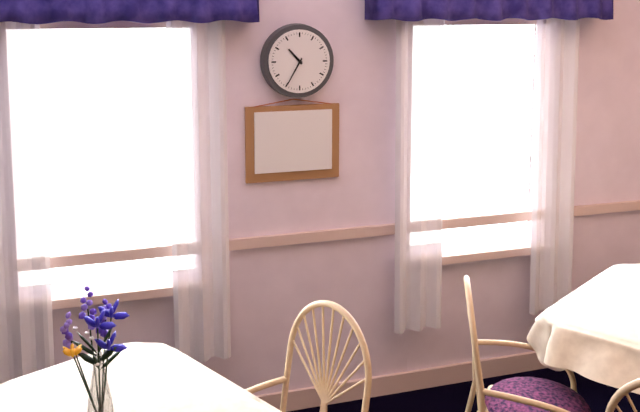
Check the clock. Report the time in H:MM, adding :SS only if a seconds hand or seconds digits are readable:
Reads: 10:35
